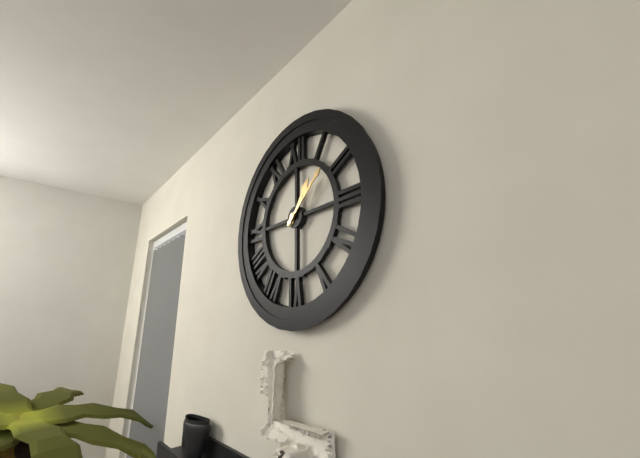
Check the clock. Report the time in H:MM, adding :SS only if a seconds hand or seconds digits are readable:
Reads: 1:08
